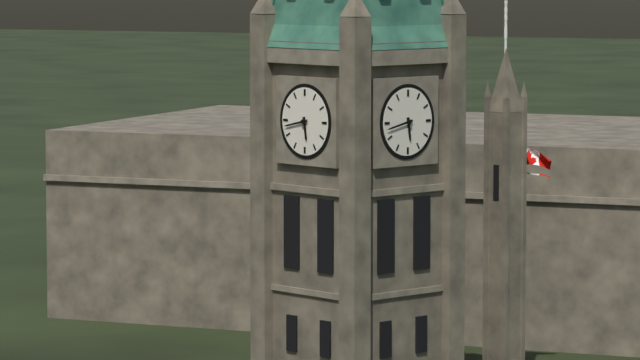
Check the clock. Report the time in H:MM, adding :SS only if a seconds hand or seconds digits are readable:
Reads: 5:43
